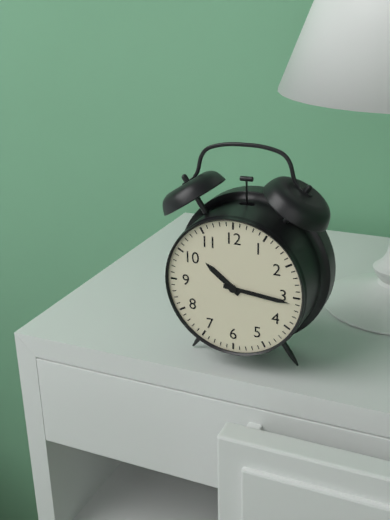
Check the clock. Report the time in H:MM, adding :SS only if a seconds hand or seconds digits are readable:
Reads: 10:16
